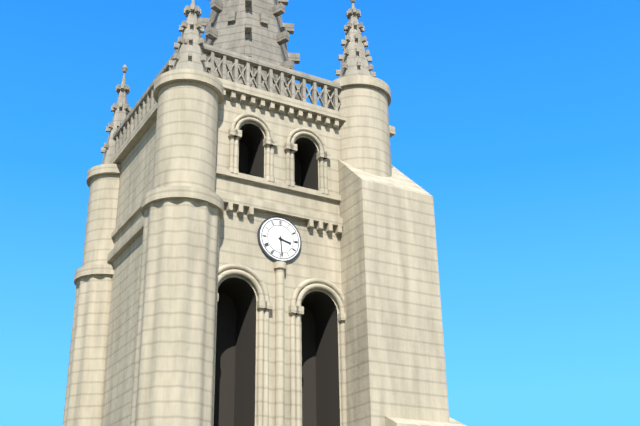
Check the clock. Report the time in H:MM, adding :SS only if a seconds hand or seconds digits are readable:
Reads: 3:29
